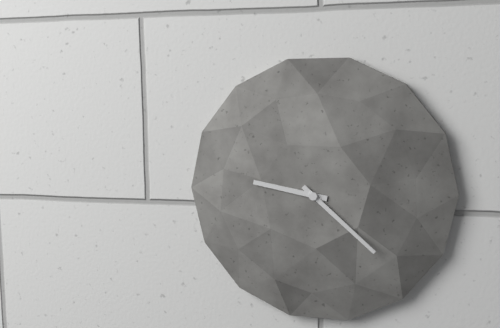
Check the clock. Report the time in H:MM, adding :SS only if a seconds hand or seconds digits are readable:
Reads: 9:22
